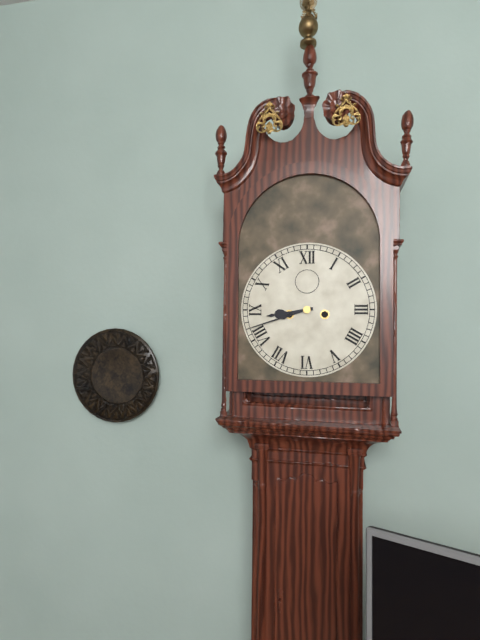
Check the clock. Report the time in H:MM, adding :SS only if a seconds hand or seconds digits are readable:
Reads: 8:42
